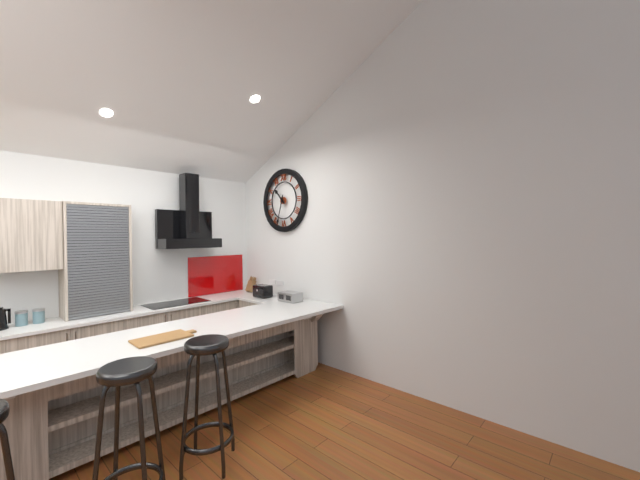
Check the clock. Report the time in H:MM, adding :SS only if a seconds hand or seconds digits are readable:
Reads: 10:33
